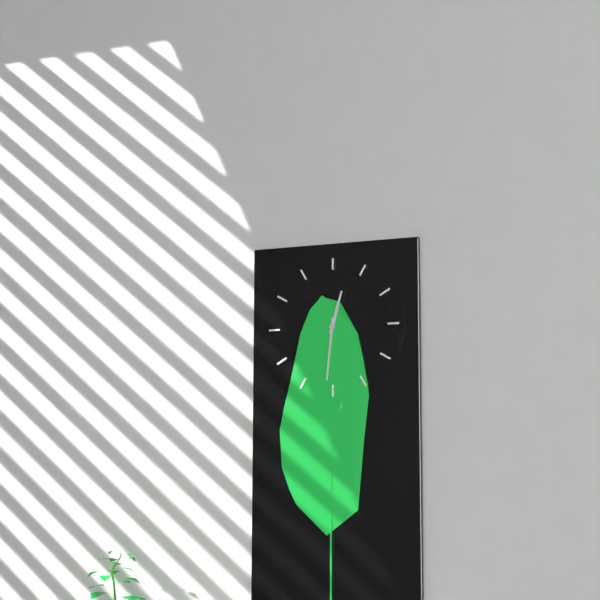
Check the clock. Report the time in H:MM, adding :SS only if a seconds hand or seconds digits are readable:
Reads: 12:31
